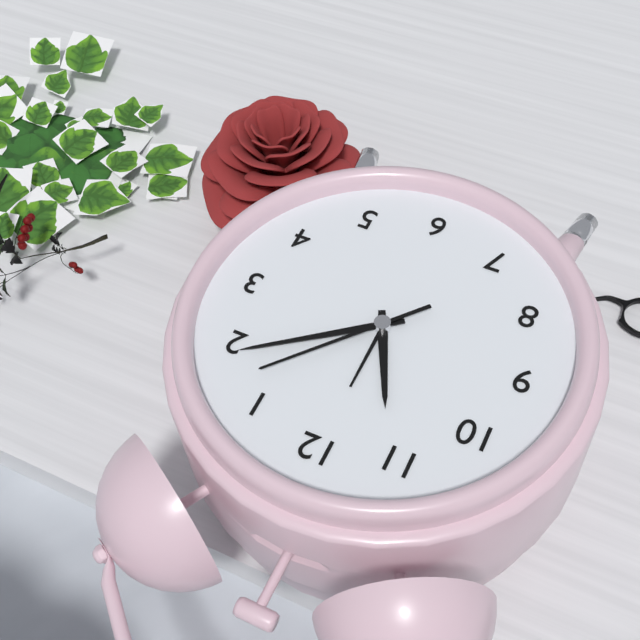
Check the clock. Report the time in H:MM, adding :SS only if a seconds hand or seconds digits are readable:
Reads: 11:09:07
